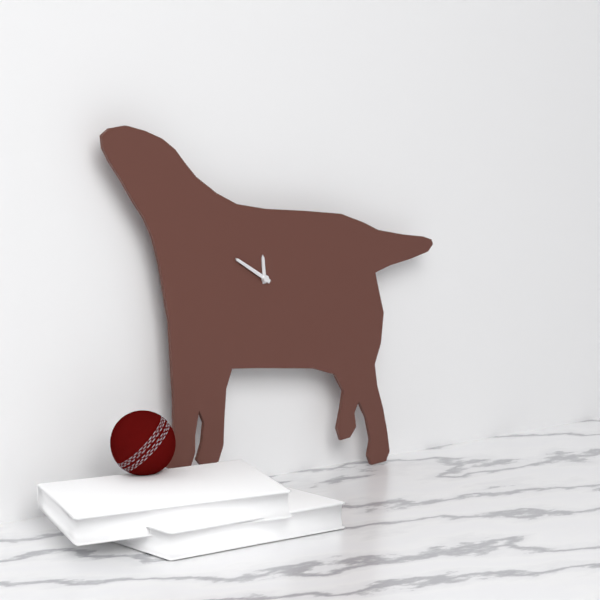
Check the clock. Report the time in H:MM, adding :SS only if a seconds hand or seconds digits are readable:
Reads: 11:50
